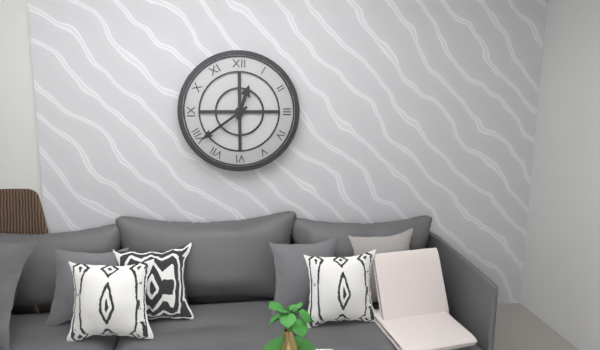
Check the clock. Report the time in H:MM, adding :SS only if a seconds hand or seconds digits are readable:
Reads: 12:39
